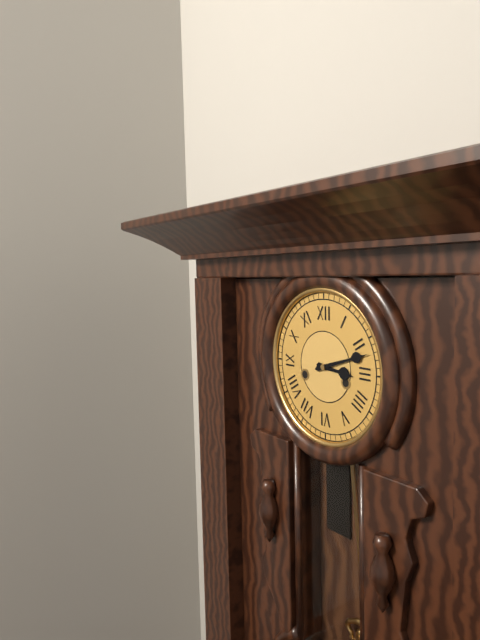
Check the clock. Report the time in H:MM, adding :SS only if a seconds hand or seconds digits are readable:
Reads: 3:12
